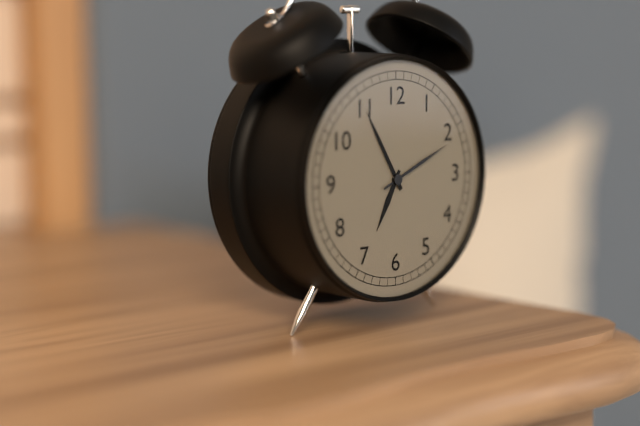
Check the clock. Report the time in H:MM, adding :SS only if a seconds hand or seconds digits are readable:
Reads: 6:55:11
